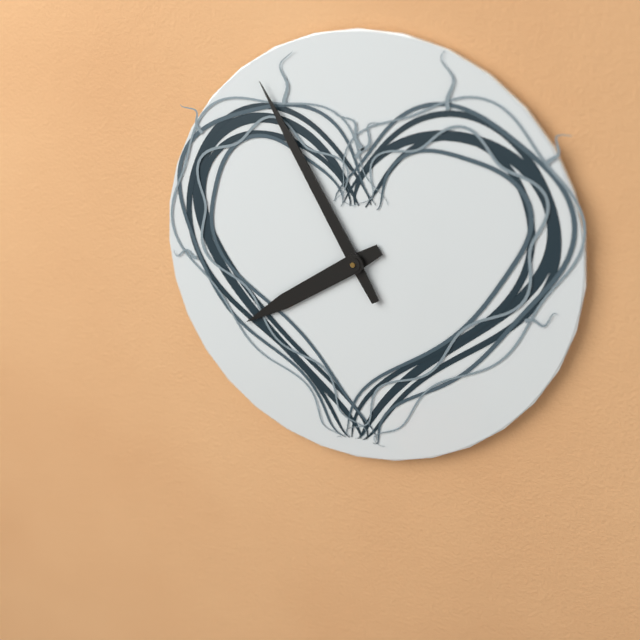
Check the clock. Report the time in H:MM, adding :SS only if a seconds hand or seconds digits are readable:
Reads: 7:55
